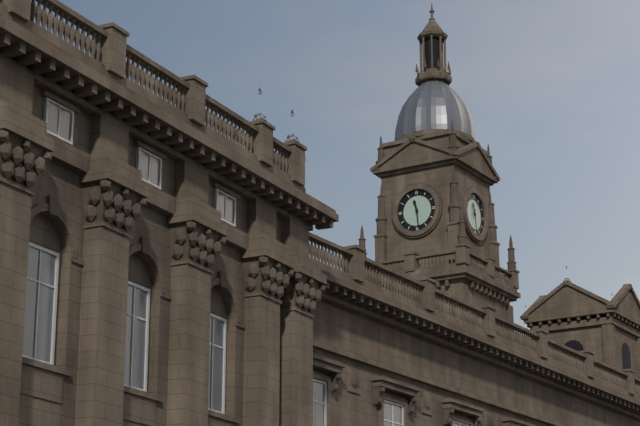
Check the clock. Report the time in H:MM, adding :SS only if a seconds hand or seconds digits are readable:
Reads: 11:29
